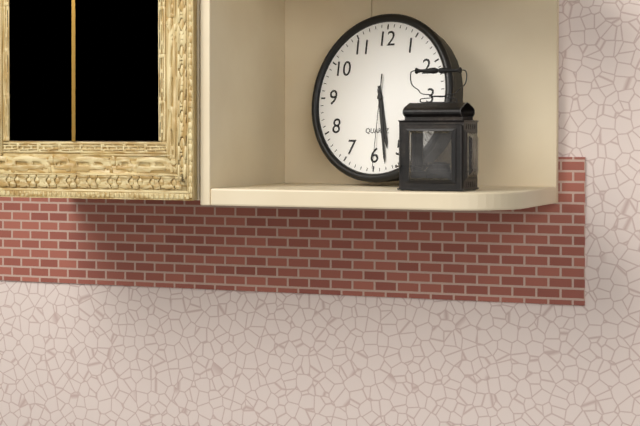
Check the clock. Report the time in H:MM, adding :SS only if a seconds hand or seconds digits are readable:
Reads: 5:28:30
